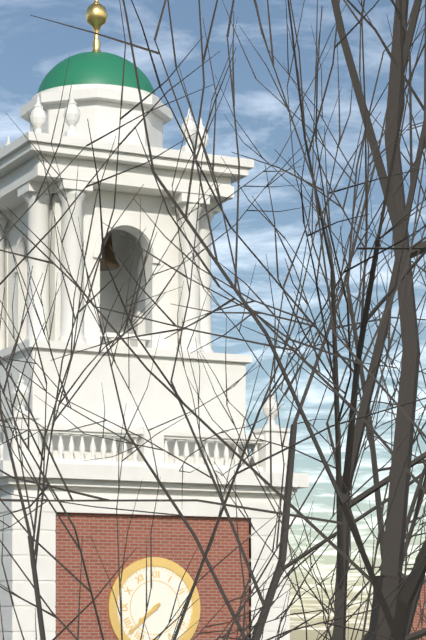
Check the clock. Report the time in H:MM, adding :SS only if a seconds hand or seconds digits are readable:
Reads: 7:38
